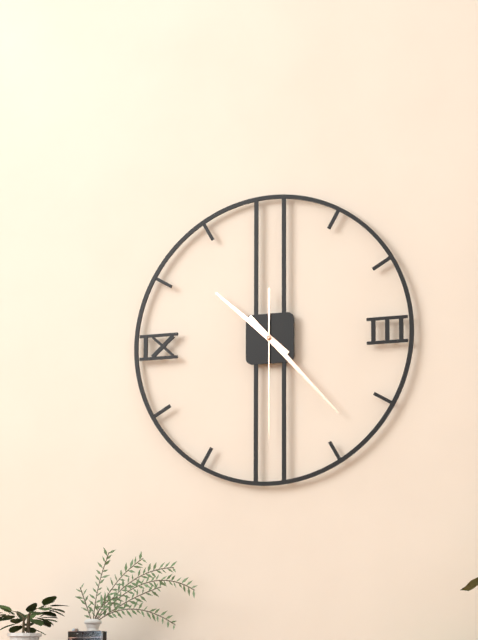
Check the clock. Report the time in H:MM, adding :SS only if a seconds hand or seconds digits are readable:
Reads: 10:23:30
